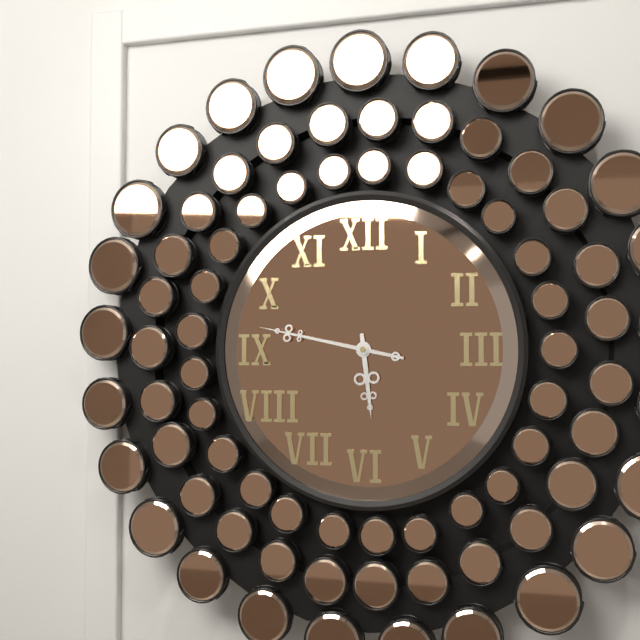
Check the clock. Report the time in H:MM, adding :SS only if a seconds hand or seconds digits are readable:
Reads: 5:47
